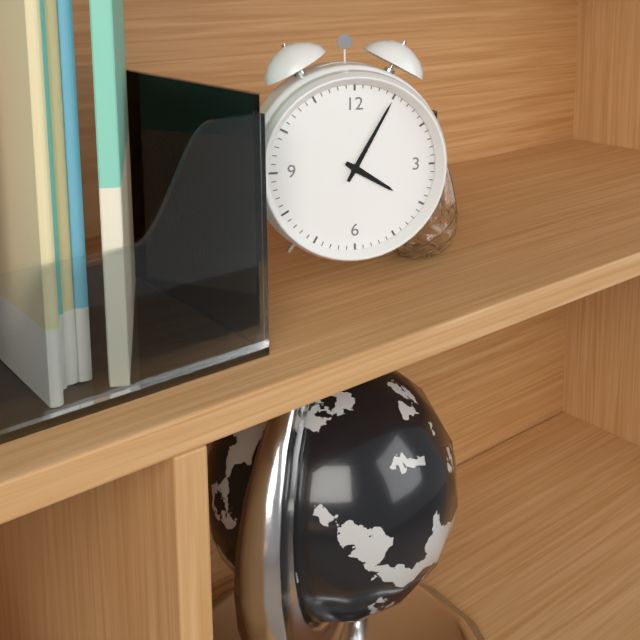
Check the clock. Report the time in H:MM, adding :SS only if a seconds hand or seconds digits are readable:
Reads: 4:05
